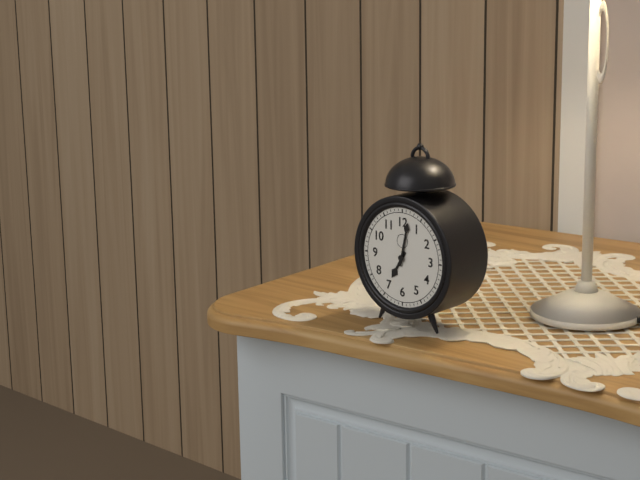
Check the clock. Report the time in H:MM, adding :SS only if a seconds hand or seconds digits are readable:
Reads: 7:02
